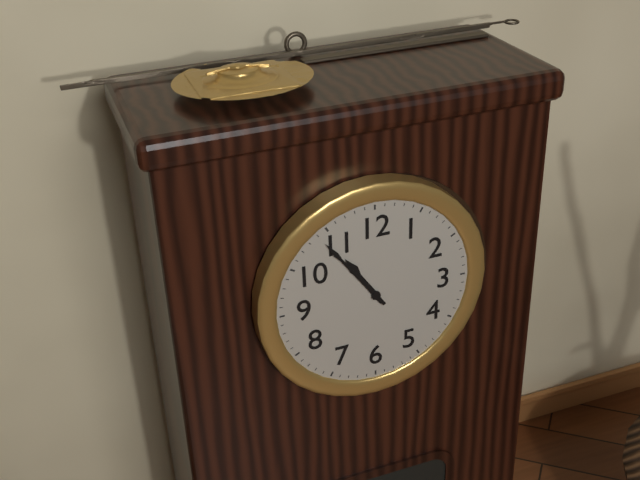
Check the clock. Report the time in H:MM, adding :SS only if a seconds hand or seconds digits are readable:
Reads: 10:54
